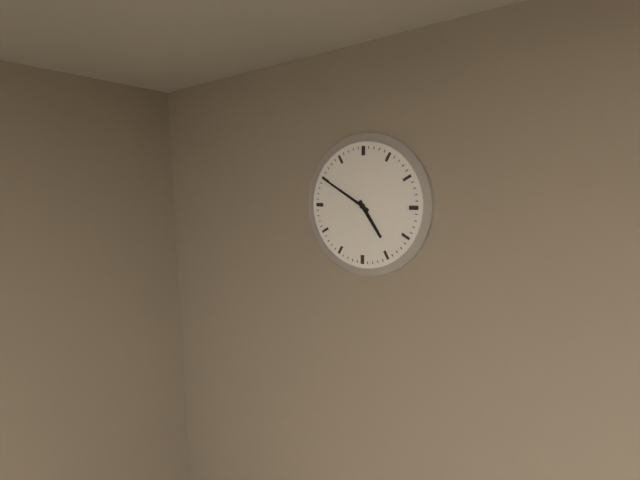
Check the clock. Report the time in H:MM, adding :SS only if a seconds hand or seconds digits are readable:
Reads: 4:50
